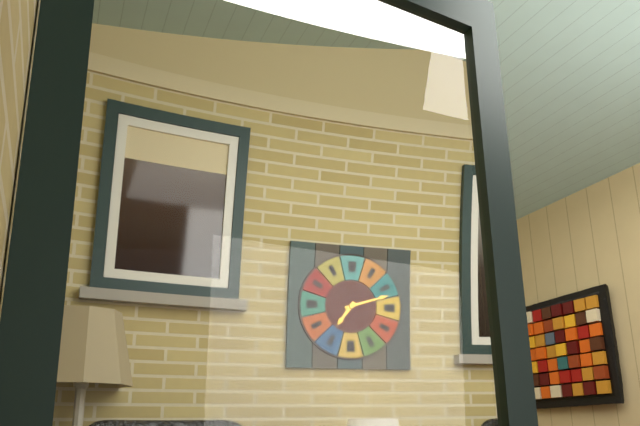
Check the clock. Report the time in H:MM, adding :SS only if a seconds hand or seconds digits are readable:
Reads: 7:12
